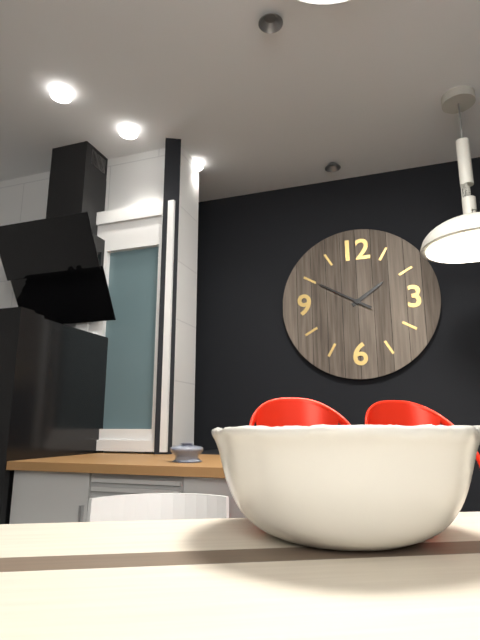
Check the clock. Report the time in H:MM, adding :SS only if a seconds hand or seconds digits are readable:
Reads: 1:50
